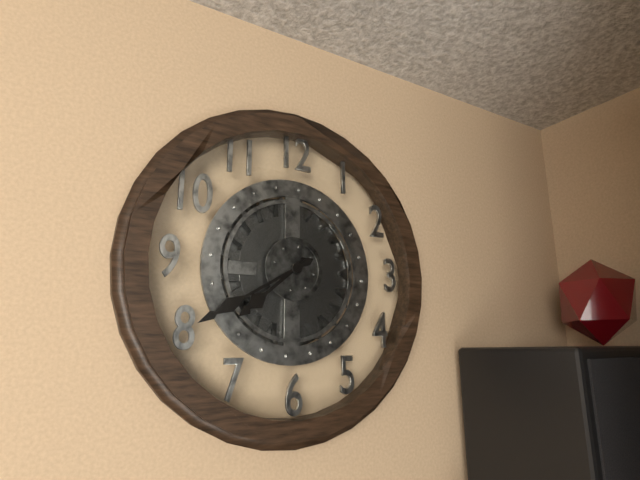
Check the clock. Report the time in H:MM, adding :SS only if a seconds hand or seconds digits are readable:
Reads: 7:40
